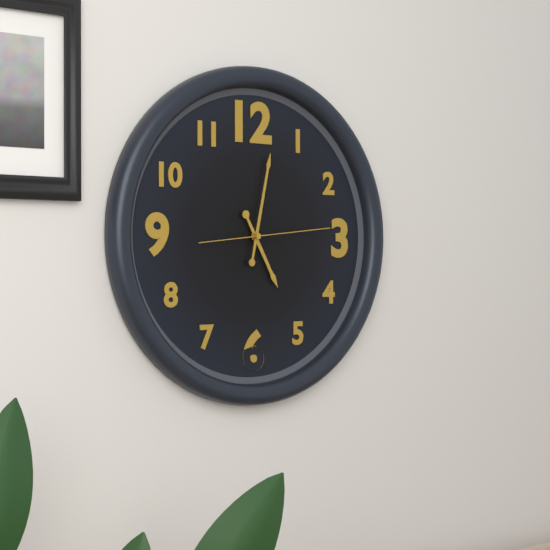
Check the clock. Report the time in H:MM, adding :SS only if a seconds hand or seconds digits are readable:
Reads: 5:02:14
